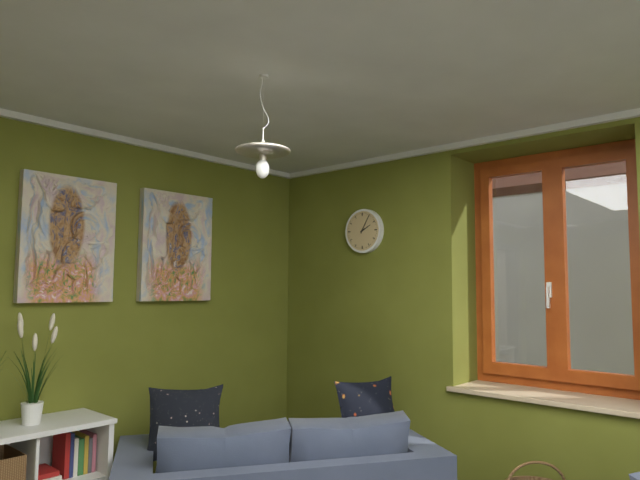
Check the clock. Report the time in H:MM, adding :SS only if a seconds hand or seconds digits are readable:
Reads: 2:05
